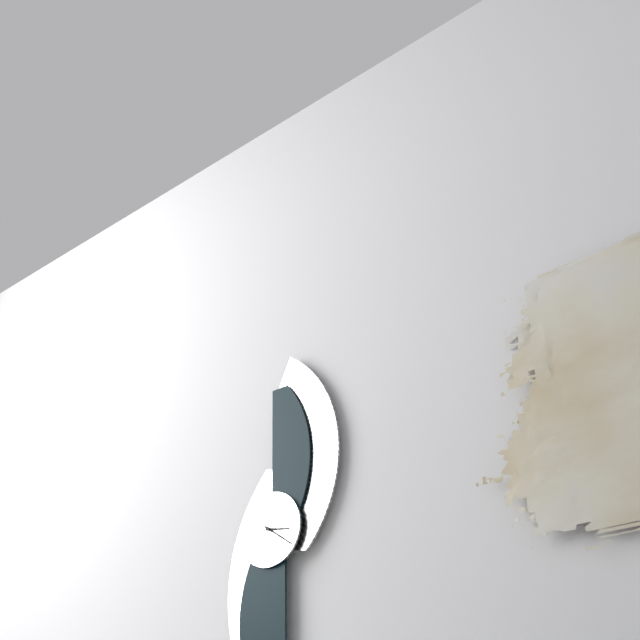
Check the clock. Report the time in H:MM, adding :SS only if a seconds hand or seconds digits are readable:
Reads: 3:21
